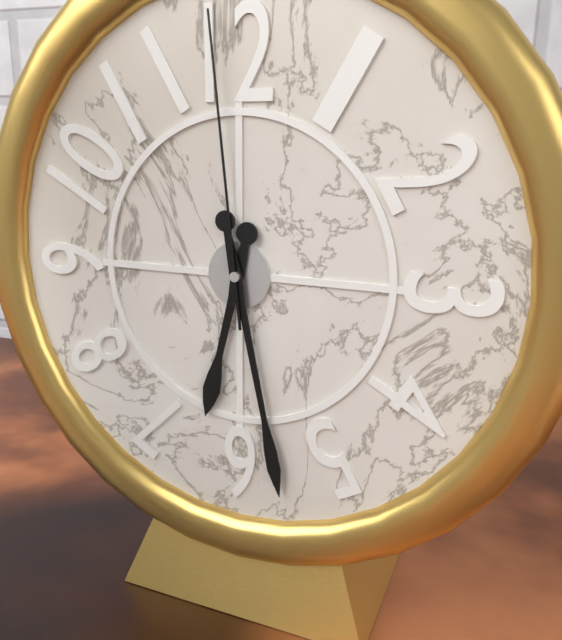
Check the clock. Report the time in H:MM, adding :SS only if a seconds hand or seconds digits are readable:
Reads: 6:28:59
